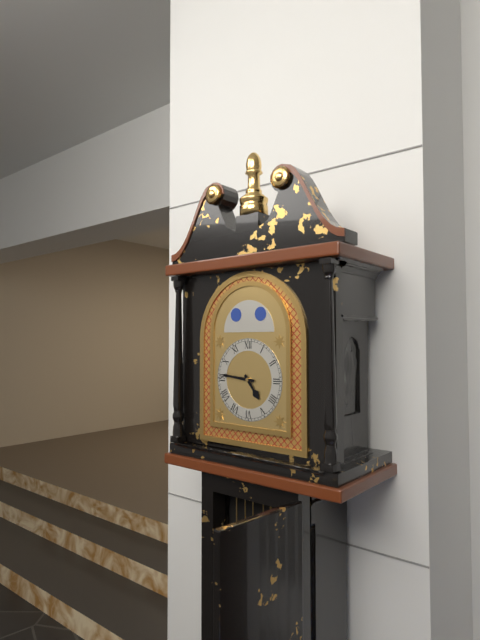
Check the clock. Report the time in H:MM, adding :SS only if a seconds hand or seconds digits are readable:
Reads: 4:46
